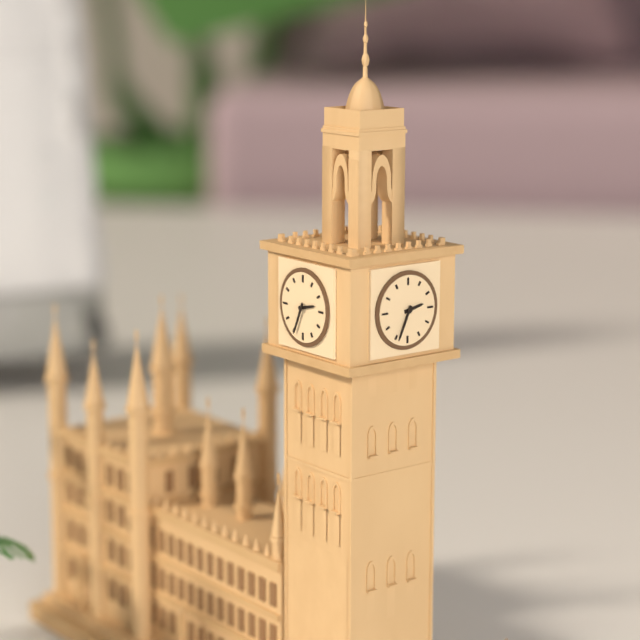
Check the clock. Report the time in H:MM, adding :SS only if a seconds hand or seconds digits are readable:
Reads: 2:34
